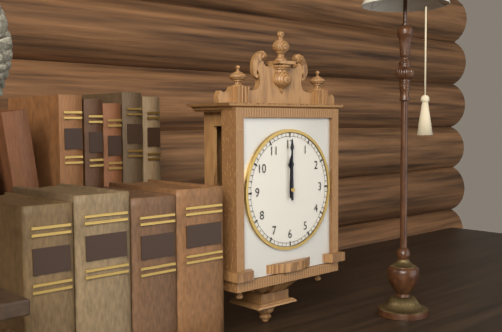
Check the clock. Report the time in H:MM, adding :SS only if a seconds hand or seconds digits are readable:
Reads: 12:00
